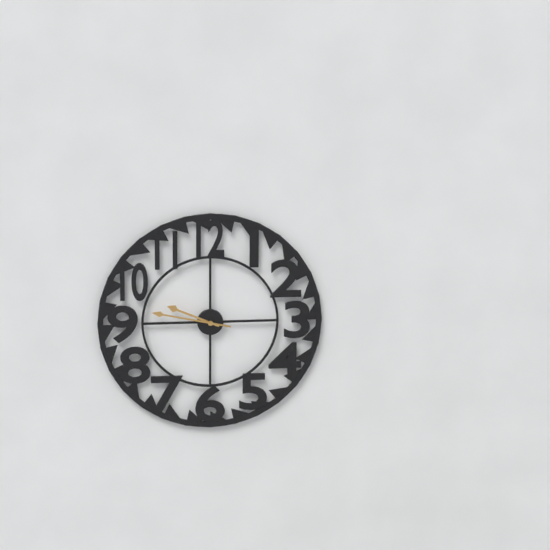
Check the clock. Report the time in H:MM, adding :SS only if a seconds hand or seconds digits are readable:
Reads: 9:47
